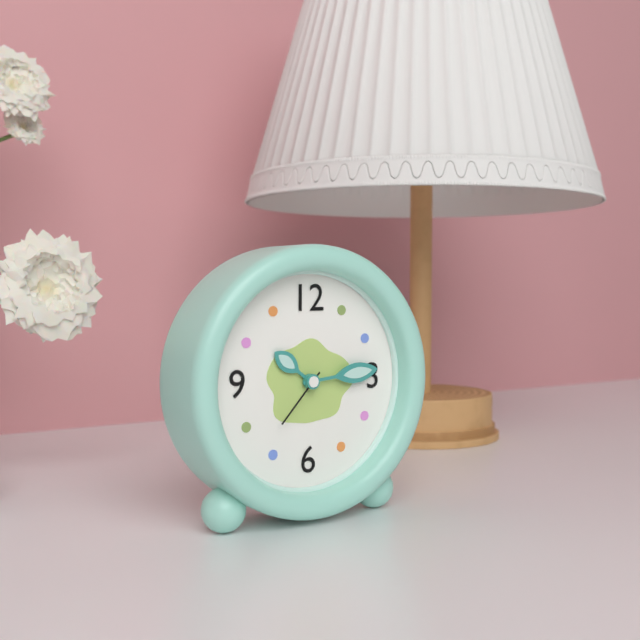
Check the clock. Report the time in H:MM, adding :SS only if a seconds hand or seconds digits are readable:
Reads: 10:14:37
